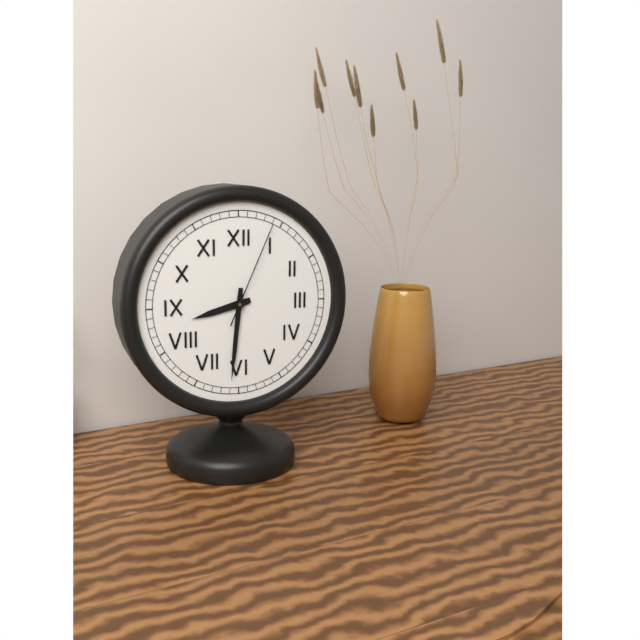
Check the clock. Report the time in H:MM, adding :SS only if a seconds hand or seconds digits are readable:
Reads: 8:31:04
